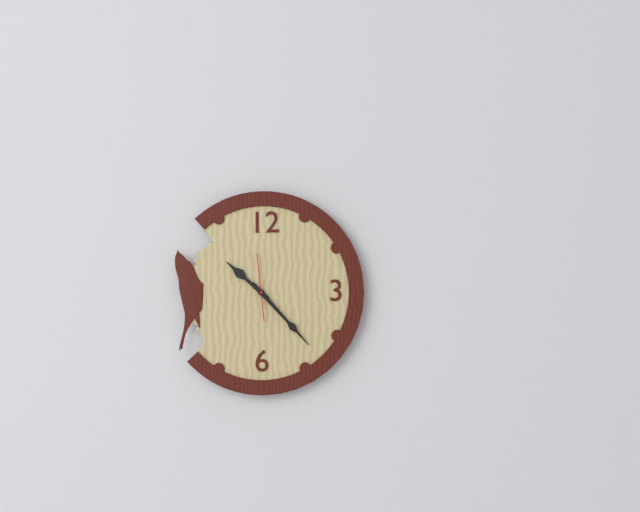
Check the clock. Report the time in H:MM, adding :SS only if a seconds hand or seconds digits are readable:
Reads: 10:23:59
